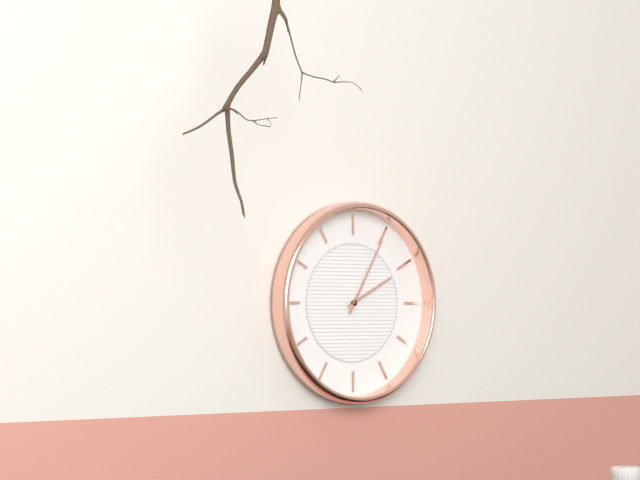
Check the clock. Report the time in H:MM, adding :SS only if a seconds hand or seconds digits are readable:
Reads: 2:05
